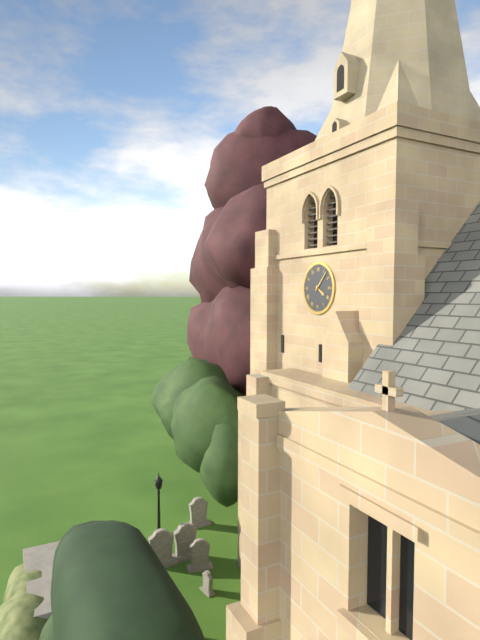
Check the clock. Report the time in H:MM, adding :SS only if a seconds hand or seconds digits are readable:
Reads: 4:07
